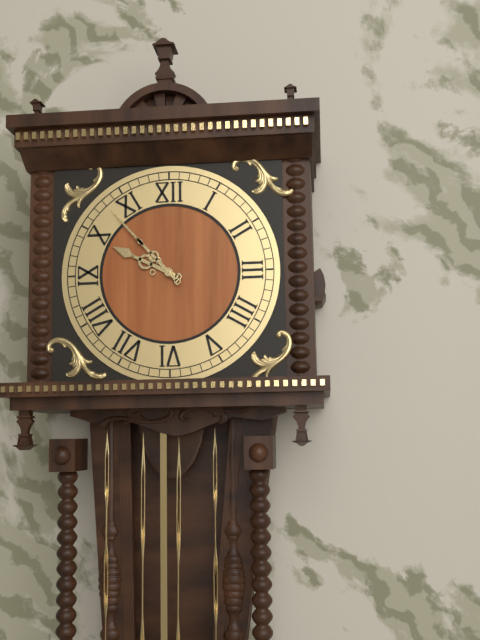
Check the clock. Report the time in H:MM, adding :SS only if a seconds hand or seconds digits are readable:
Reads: 9:53
